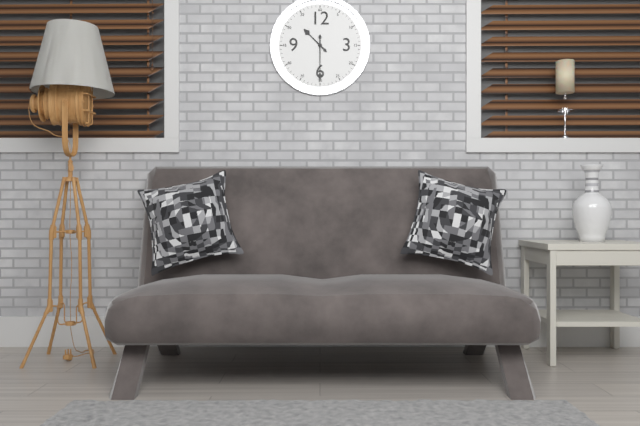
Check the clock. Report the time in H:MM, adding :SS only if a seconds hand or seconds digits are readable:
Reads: 10:30
